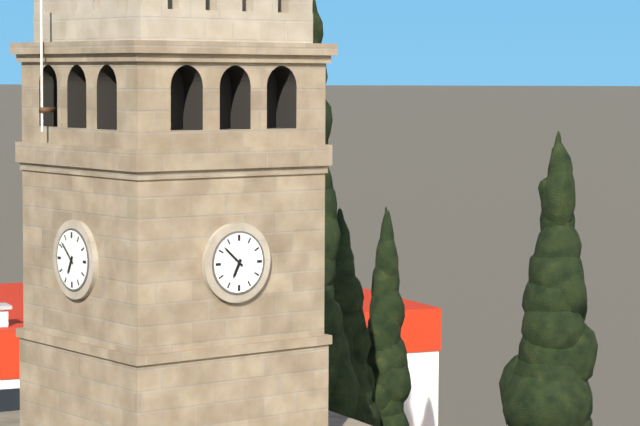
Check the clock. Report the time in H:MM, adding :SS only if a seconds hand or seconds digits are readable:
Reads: 6:52
